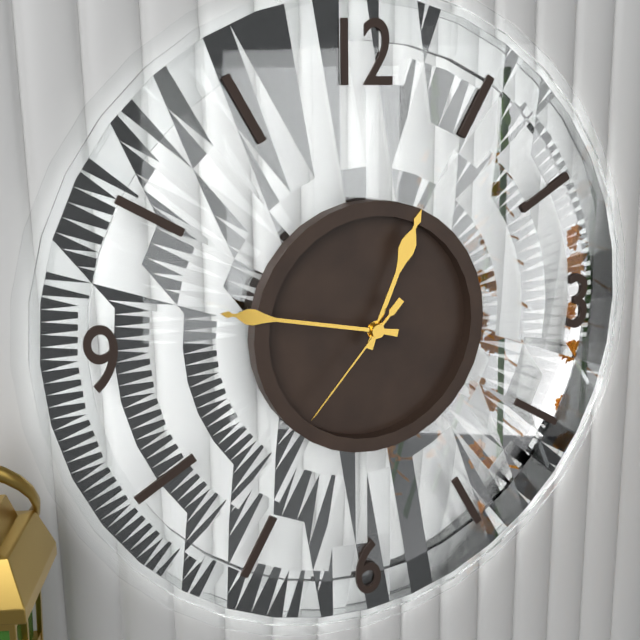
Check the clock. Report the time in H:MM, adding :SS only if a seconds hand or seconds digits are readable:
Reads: 12:47:37
